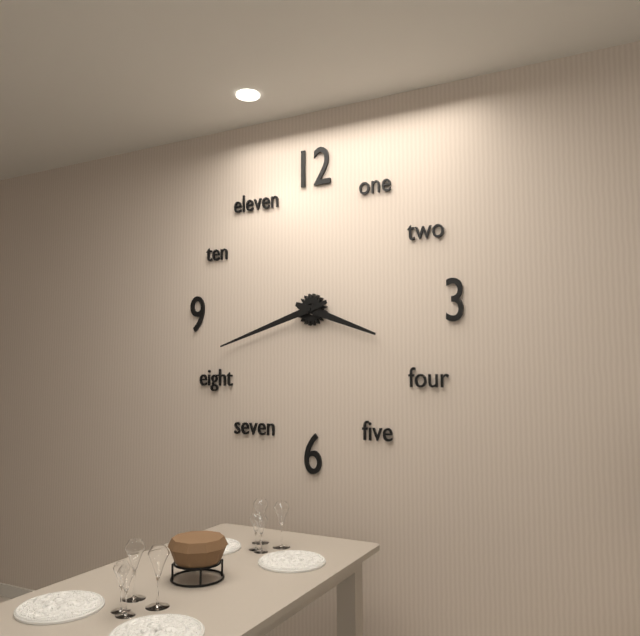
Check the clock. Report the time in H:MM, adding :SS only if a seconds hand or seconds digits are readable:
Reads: 3:42
